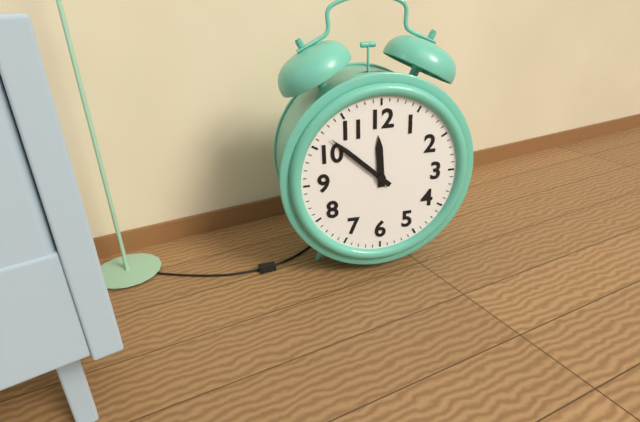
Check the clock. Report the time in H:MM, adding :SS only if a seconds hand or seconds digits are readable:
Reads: 11:52
